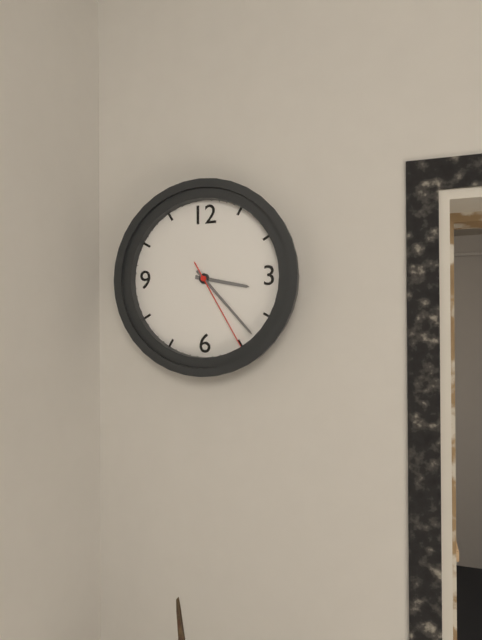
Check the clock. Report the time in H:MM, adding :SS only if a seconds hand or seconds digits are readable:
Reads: 3:23:25
